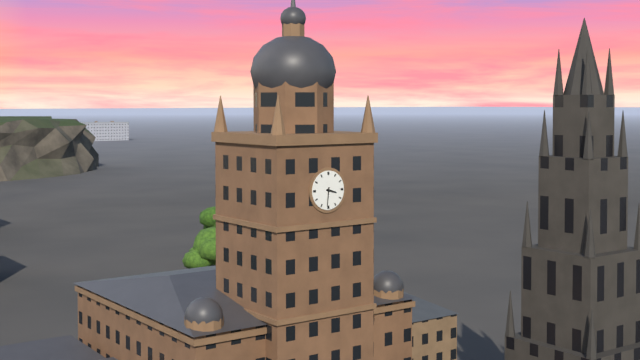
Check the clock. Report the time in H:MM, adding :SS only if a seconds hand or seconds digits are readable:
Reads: 3:31
